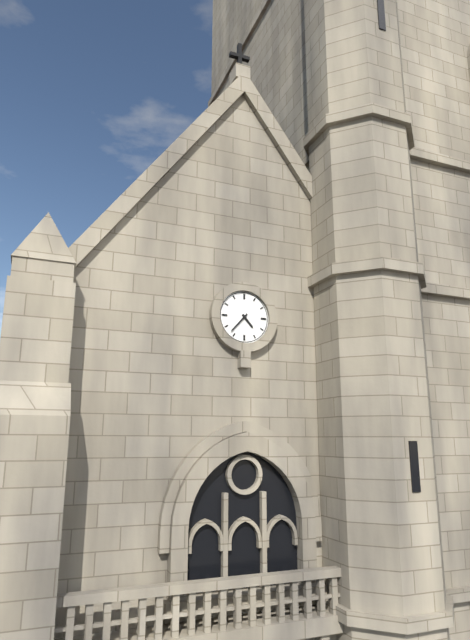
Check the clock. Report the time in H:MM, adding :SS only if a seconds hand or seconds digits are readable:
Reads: 4:37
